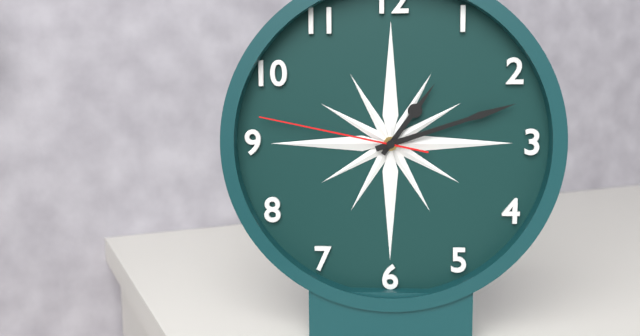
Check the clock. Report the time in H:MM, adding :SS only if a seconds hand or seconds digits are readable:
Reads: 1:12:47
